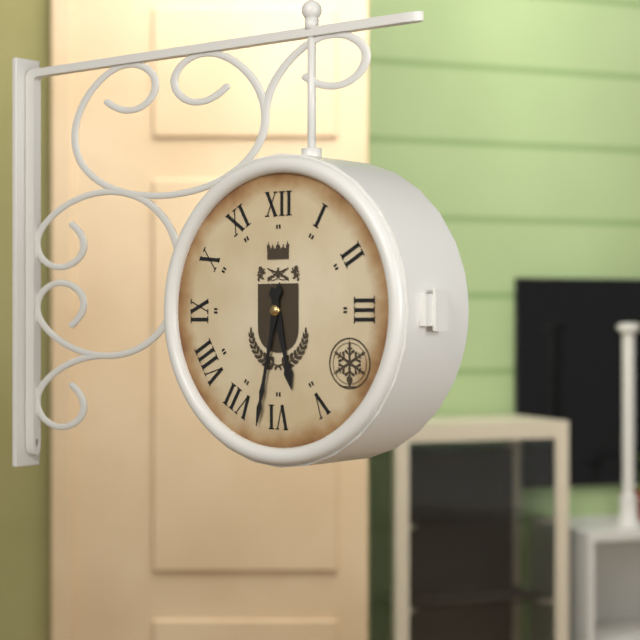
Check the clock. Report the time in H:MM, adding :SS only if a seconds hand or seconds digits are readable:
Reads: 5:32
